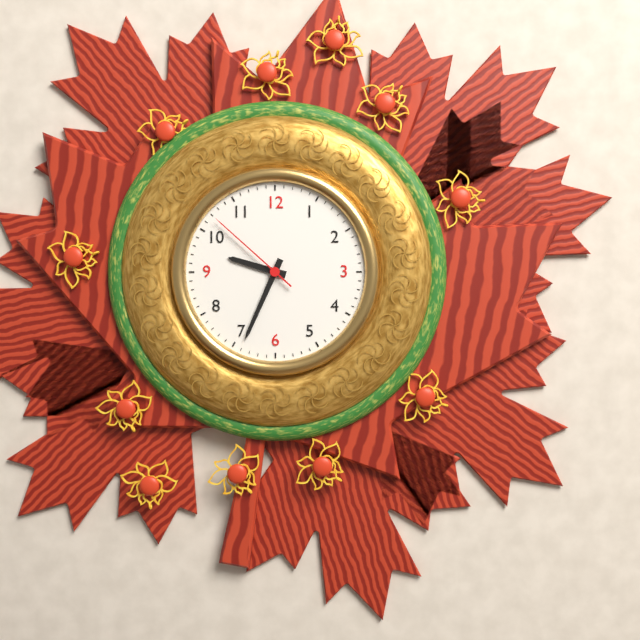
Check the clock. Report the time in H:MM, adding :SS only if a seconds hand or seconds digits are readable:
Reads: 9:34:52
